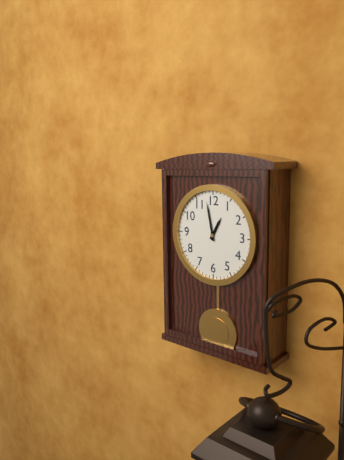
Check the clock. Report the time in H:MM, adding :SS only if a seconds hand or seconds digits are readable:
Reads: 12:58
